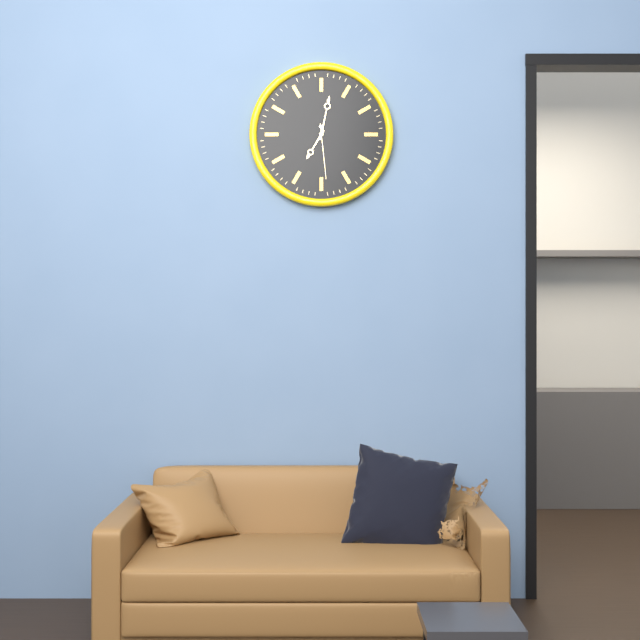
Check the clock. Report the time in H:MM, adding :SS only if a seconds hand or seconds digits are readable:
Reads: 7:02:29
